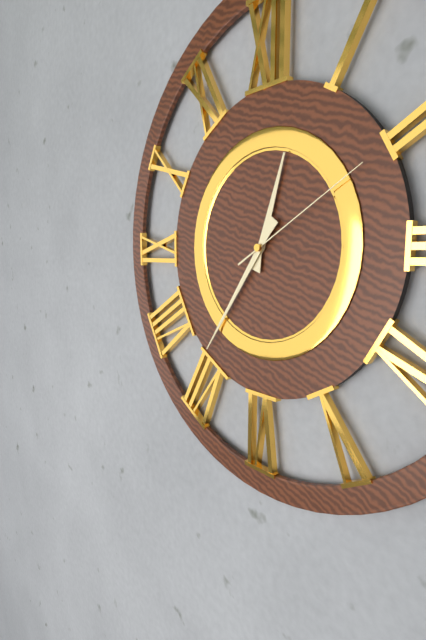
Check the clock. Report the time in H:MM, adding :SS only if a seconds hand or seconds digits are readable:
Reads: 12:36:10
